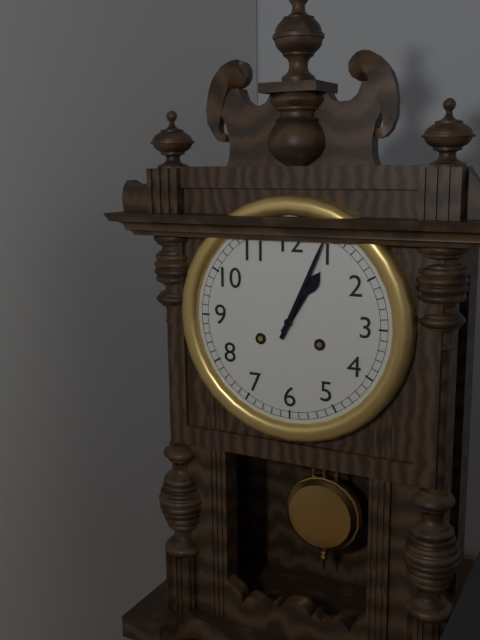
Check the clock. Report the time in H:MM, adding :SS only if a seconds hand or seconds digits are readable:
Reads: 1:04
